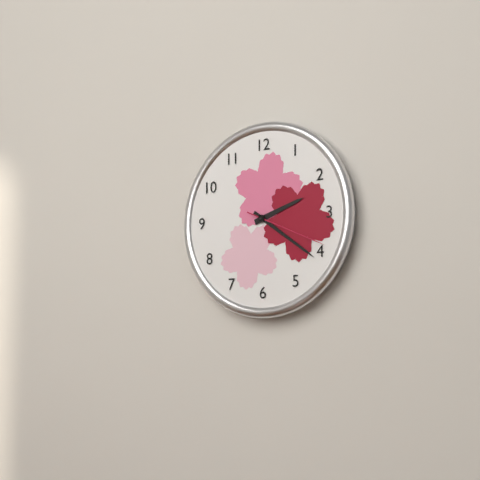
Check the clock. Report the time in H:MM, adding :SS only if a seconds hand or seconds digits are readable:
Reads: 2:21:19
